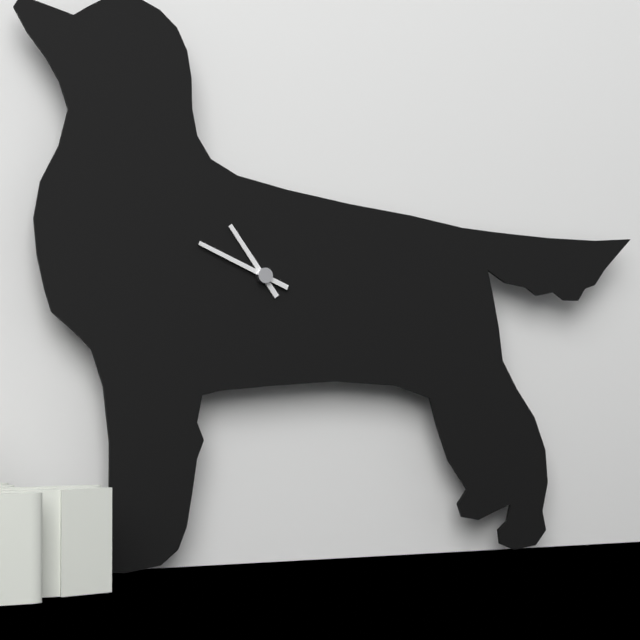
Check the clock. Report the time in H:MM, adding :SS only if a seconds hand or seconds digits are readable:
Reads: 10:49
